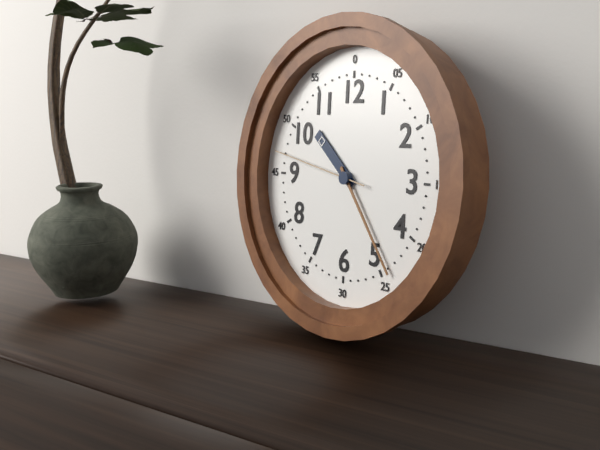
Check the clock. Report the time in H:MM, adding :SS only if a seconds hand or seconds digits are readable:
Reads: 10:24:47
